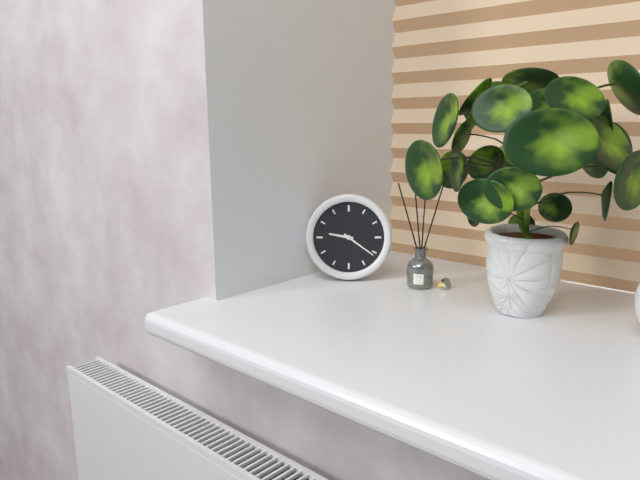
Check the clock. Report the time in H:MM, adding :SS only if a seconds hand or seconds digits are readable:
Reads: 9:21
